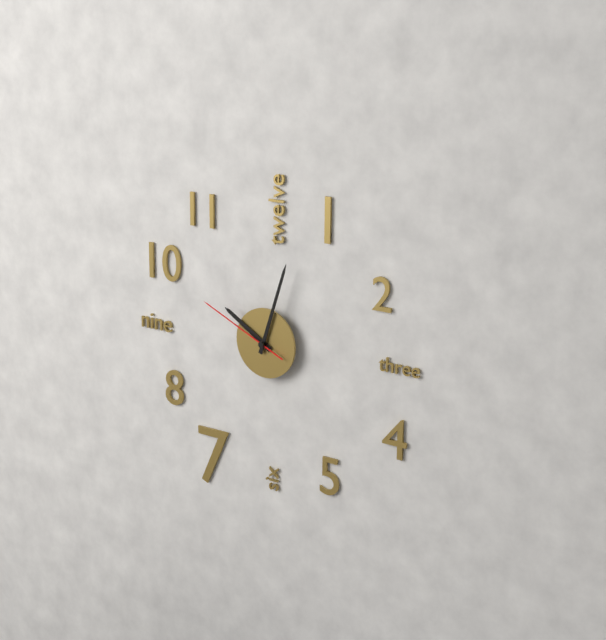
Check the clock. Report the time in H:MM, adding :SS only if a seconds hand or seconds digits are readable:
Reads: 10:03:49
